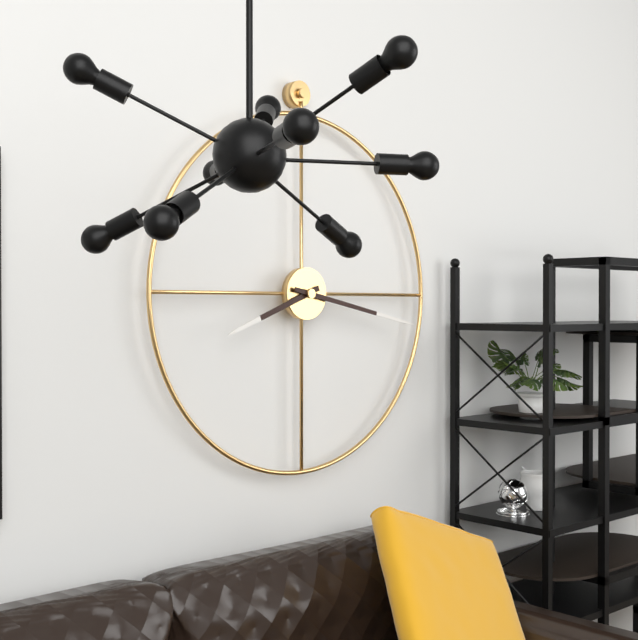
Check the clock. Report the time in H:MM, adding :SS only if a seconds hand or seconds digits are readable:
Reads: 8:17
